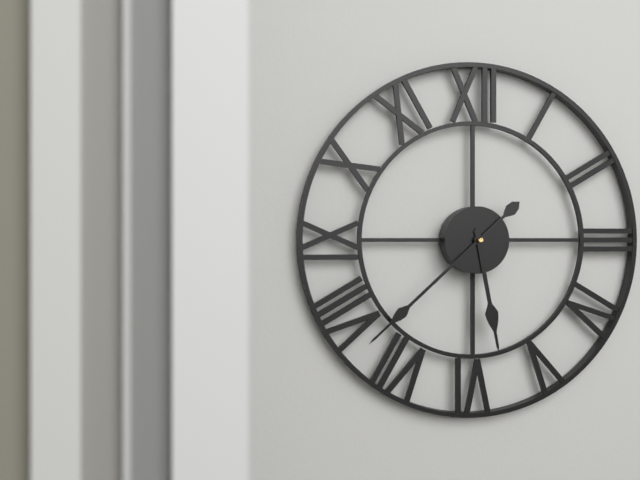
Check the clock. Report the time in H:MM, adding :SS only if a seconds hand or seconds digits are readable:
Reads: 5:38
